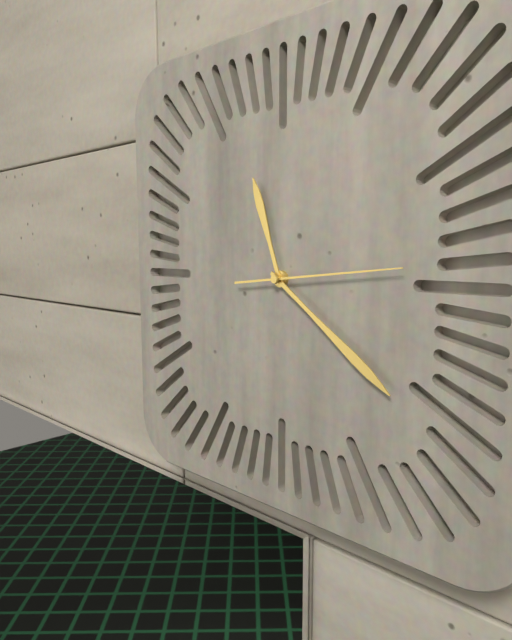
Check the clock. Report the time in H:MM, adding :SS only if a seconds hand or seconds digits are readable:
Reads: 11:21:14
